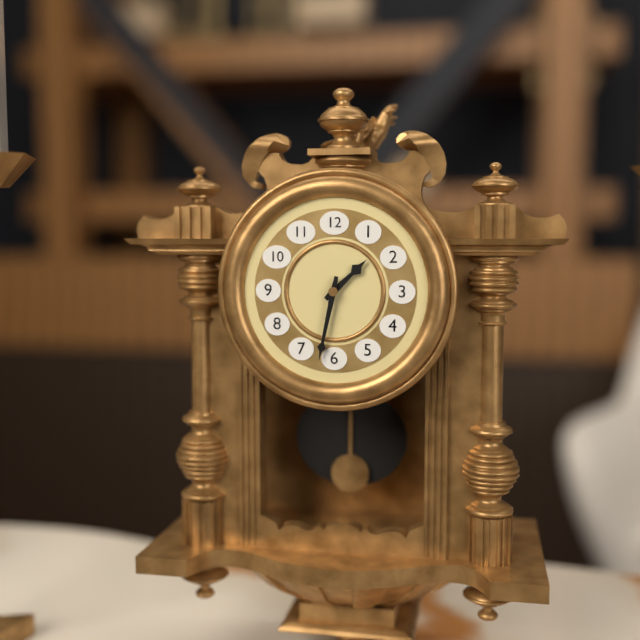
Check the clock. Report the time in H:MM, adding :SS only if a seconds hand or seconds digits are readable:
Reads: 1:32
